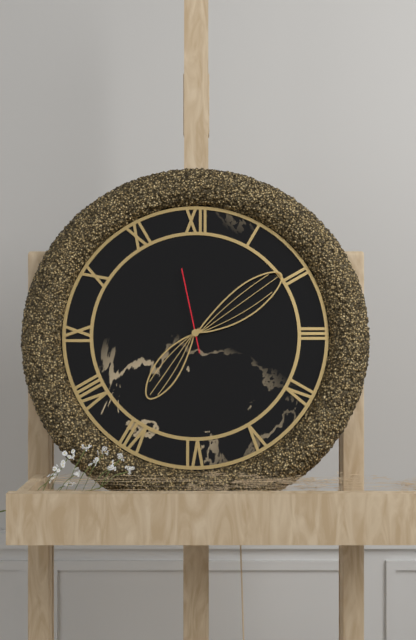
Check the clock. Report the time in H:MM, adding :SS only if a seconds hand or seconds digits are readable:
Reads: 7:09:58
